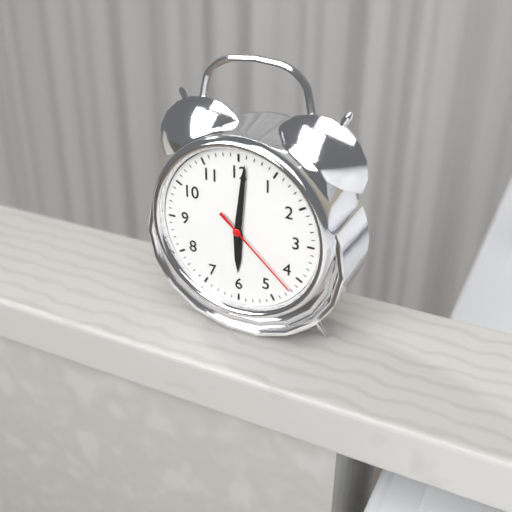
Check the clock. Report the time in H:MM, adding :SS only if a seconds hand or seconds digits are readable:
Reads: 6:01:22
